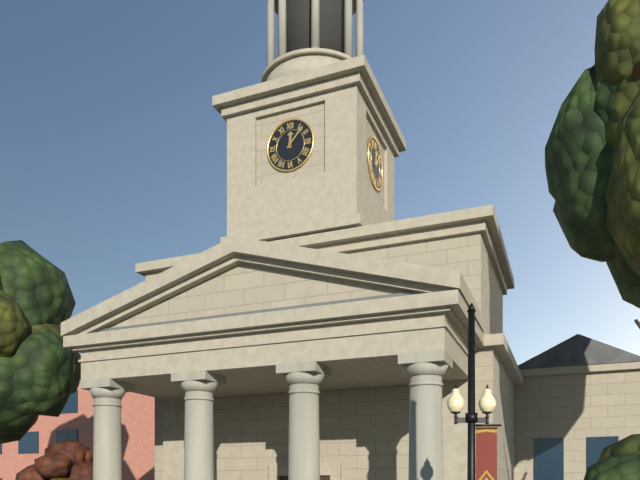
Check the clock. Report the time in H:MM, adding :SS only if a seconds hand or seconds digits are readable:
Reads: 12:07
